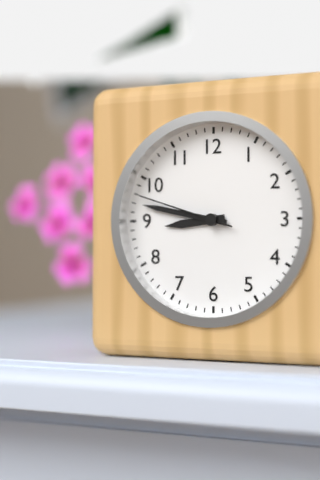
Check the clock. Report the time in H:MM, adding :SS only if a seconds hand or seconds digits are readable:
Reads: 8:47:48
